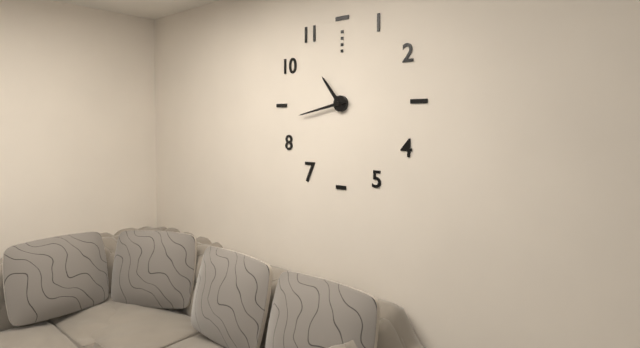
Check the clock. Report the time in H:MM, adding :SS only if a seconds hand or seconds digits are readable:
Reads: 10:43
